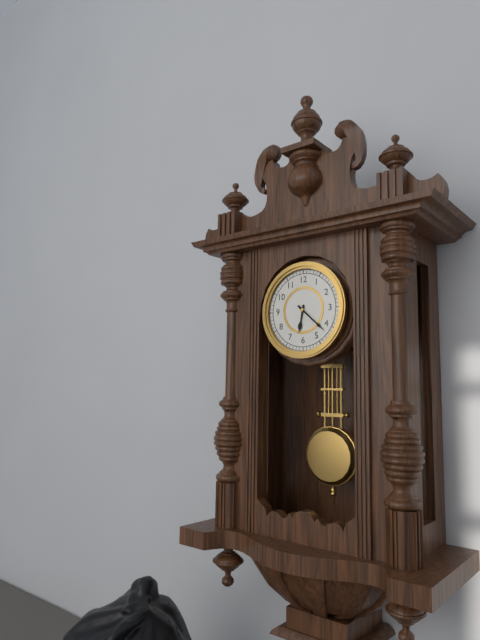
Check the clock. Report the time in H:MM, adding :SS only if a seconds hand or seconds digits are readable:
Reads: 6:22
